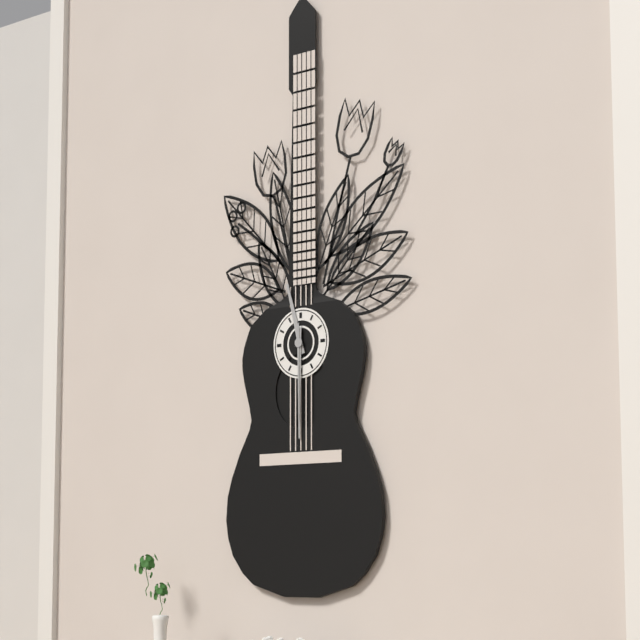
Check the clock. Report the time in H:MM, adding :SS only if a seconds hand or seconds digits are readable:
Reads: 11:30:30
